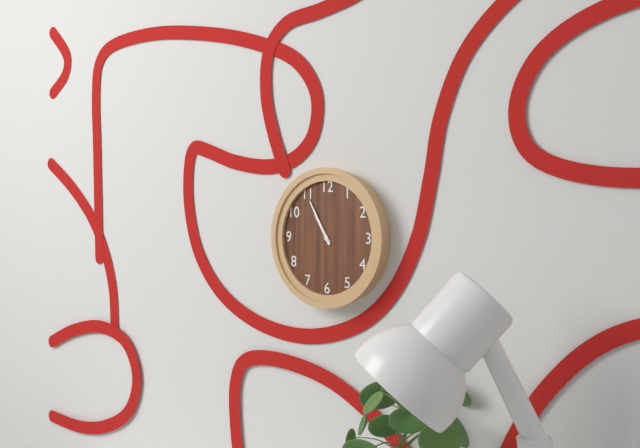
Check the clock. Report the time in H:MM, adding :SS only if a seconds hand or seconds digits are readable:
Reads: 10:55
